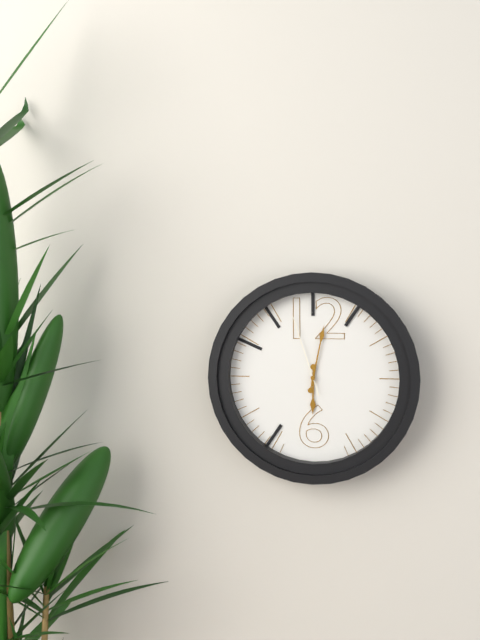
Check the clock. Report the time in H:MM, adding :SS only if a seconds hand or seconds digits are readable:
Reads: 6:02:57
